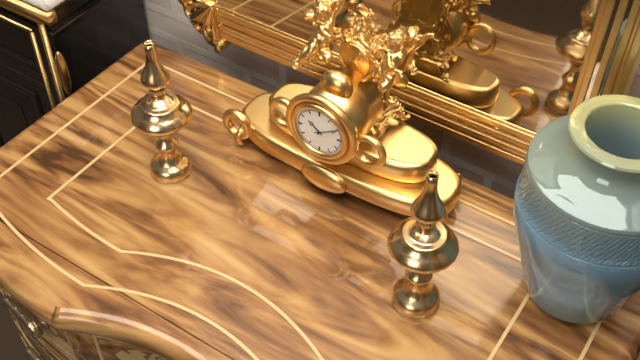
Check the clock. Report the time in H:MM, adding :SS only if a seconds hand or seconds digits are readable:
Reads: 10:10
